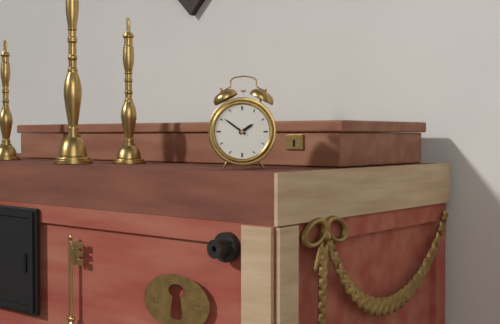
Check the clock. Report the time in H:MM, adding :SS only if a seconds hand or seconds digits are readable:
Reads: 1:51
